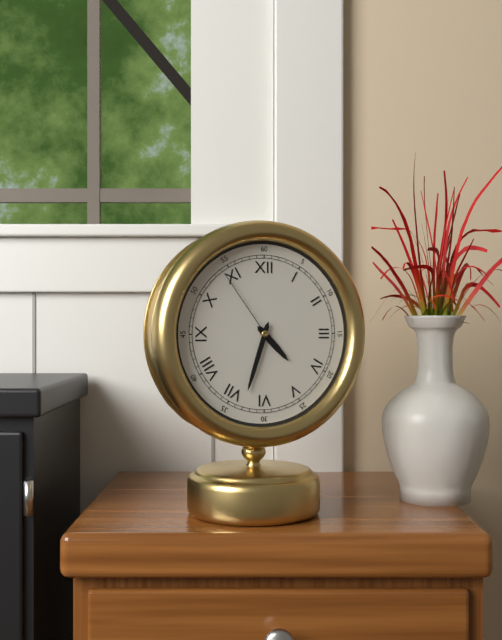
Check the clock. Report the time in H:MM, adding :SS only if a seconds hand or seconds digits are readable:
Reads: 4:33:54
